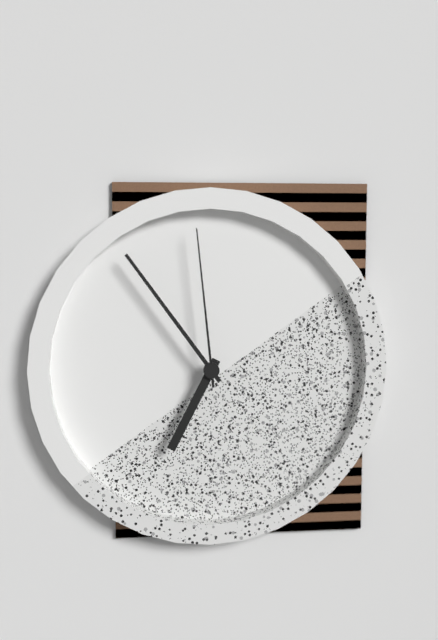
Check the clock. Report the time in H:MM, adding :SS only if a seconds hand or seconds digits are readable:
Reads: 6:54:59
